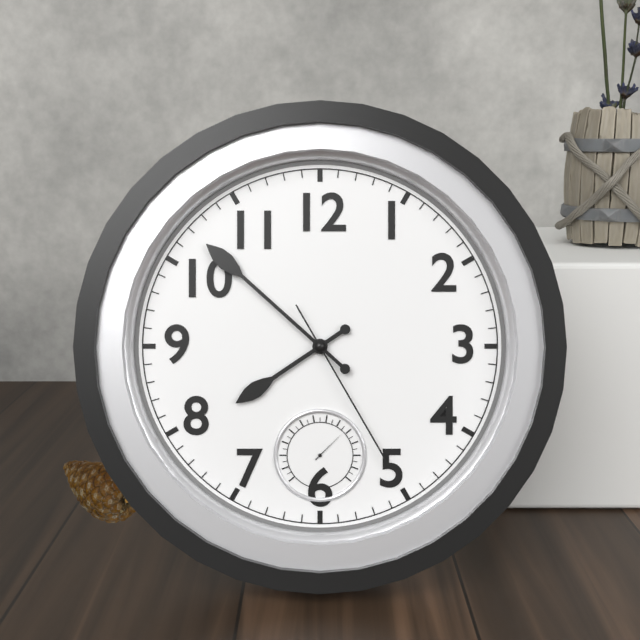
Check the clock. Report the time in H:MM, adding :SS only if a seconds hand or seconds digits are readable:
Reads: 7:52:25
